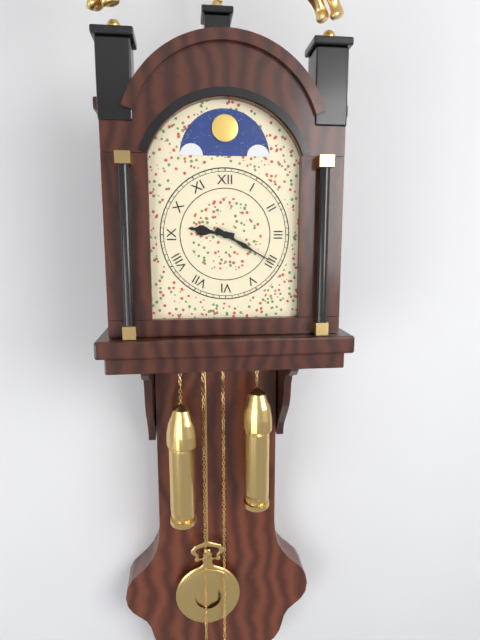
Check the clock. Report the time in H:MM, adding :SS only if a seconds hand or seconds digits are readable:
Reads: 9:20
